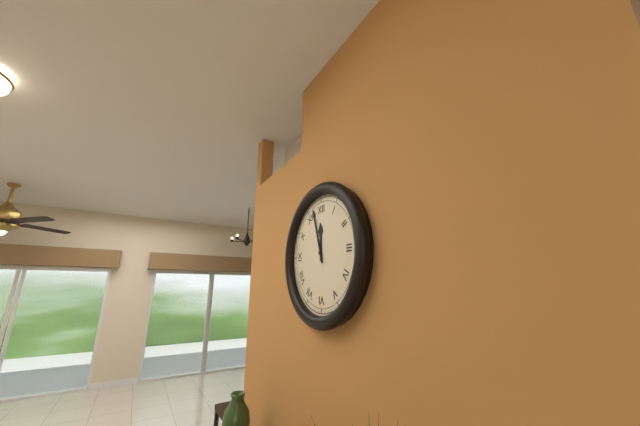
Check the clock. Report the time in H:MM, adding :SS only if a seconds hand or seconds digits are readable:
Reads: 11:57
